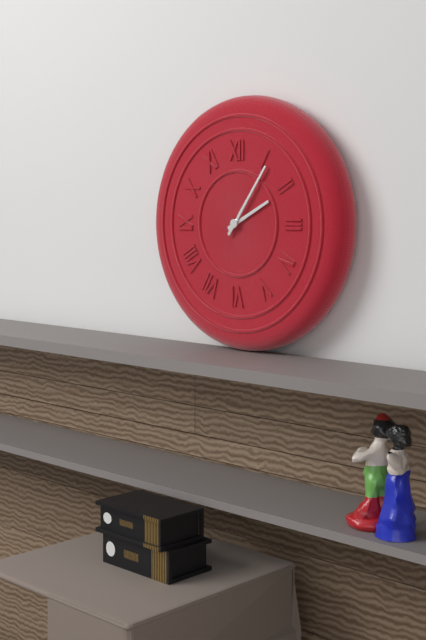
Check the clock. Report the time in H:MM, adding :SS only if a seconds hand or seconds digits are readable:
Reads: 2:06
